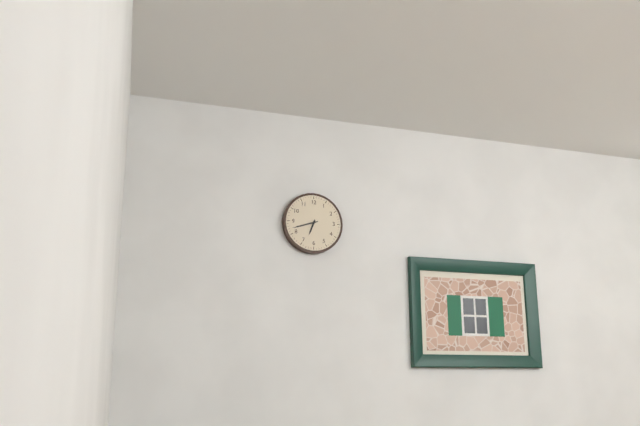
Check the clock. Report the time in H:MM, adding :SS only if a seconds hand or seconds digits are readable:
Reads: 6:42
